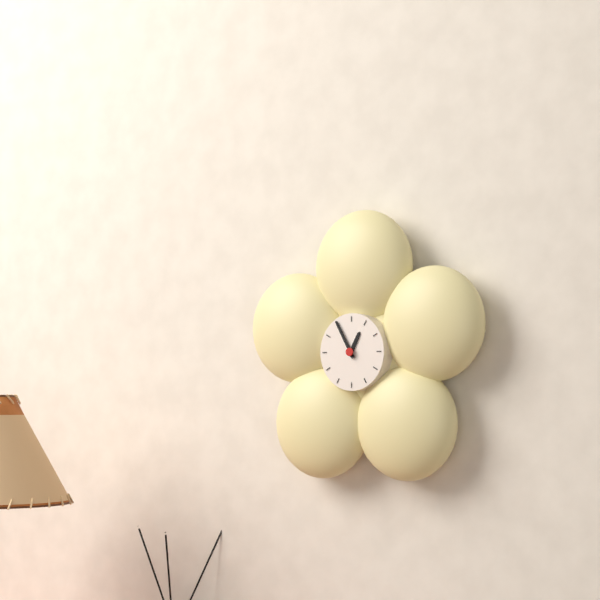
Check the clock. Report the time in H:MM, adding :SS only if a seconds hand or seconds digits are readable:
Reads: 12:55
